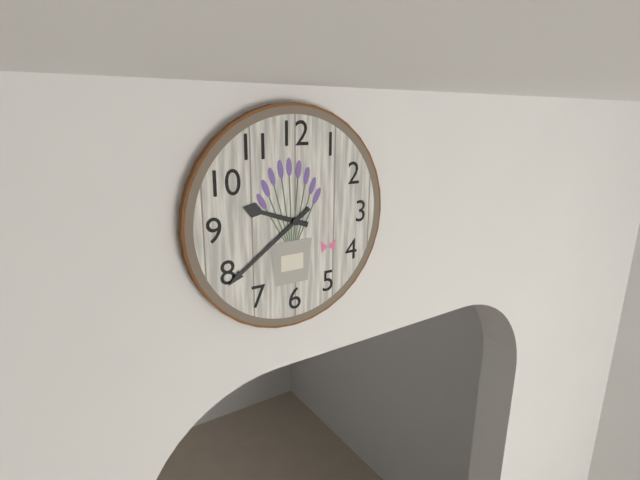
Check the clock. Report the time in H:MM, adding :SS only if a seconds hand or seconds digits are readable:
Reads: 9:39
